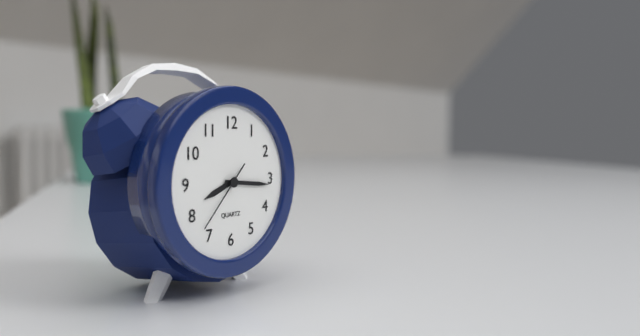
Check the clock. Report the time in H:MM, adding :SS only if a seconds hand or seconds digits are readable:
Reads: 8:16:37
